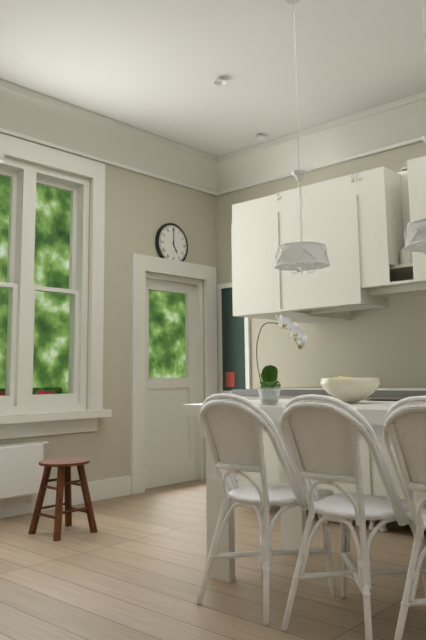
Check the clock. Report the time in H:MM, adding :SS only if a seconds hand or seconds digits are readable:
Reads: 5:00
